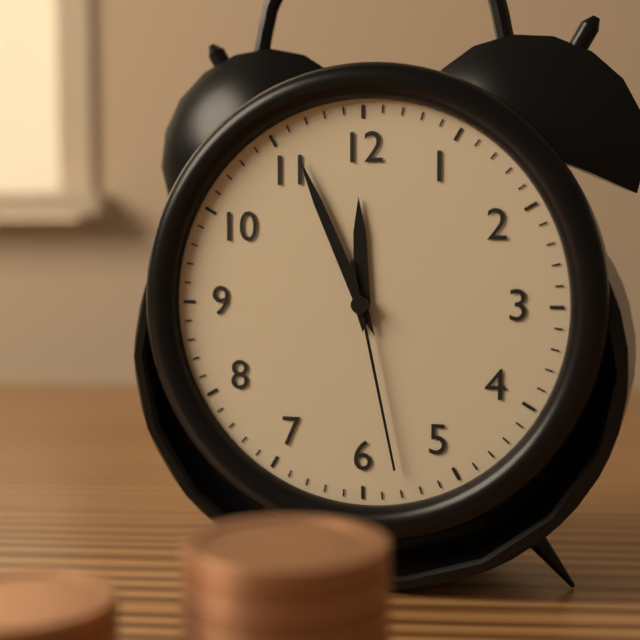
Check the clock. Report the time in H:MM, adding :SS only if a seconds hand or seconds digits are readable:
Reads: 11:56:28
